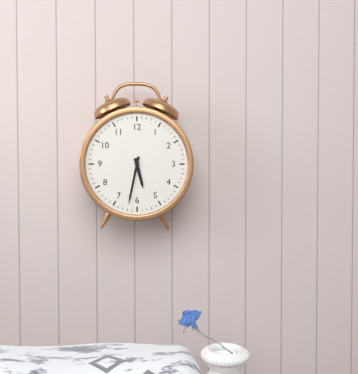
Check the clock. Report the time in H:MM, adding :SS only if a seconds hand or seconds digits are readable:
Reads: 5:32
